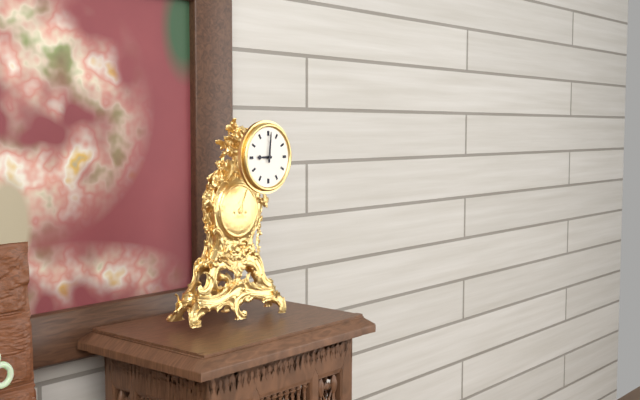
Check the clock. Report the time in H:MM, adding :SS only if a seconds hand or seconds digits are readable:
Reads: 9:01
